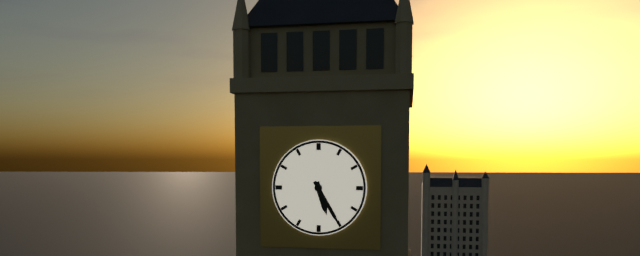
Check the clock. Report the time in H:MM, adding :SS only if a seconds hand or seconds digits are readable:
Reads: 5:25
